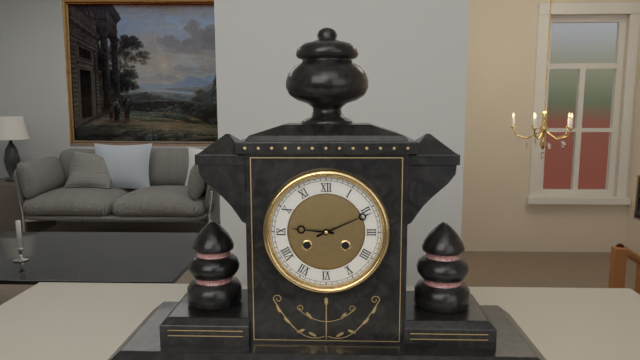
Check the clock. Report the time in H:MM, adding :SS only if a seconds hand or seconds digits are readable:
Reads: 9:11
